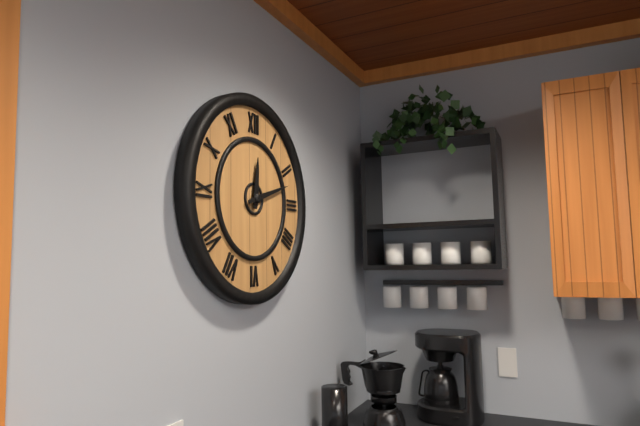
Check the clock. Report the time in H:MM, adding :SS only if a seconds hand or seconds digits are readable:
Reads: 12:12
